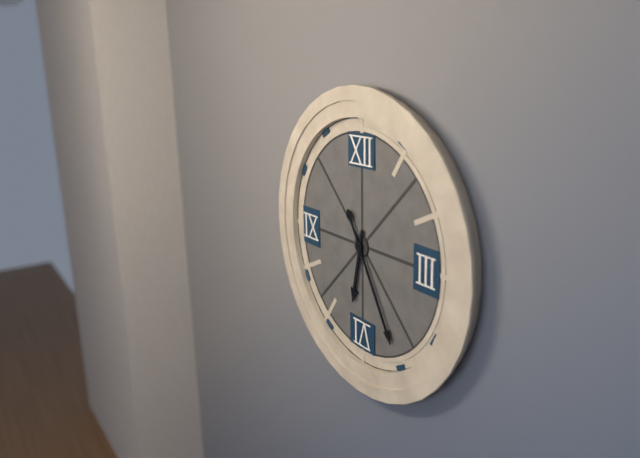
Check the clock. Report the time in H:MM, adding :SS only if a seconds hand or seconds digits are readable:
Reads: 6:25
